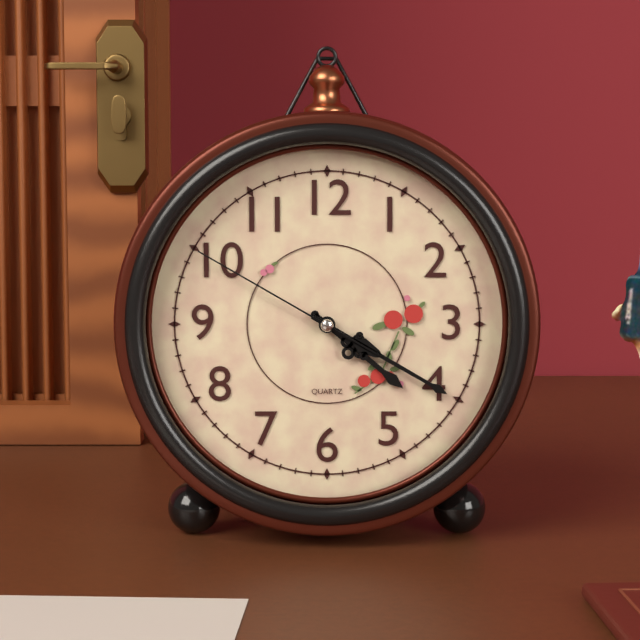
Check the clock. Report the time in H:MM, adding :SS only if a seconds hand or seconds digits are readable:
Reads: 4:20:50
